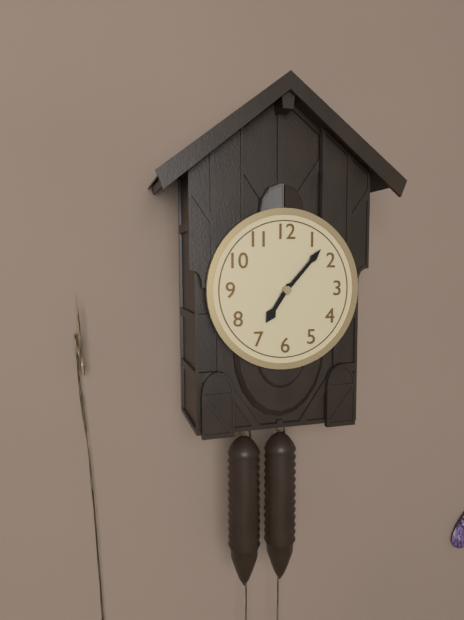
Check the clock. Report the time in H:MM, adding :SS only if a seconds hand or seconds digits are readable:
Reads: 7:07
